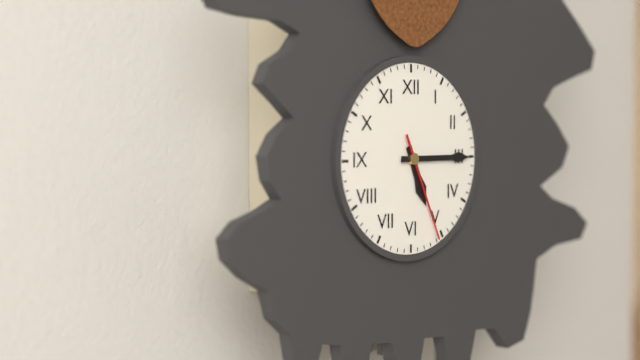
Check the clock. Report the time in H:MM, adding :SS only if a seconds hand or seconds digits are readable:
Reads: 5:15:26
